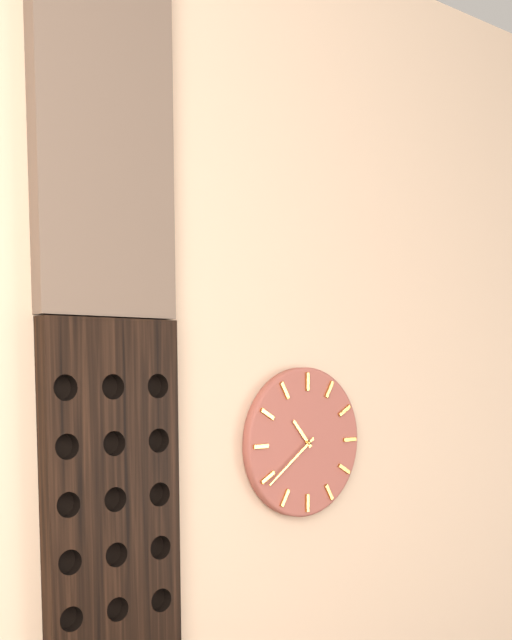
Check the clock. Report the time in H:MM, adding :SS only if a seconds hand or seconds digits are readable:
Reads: 10:39
